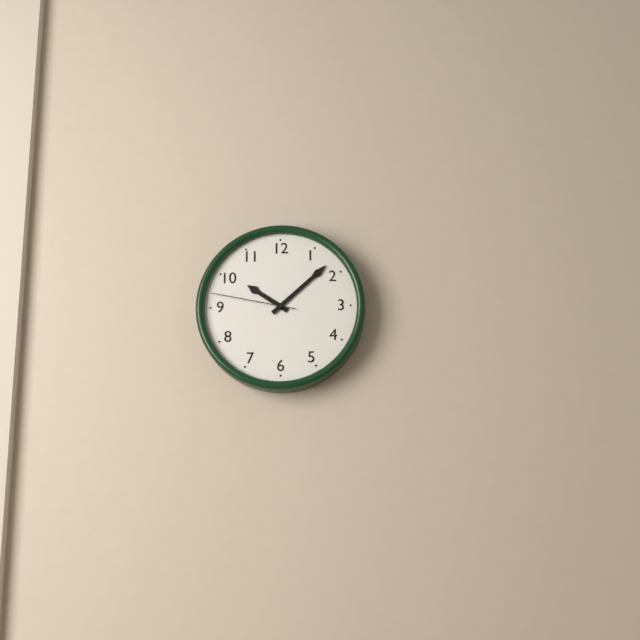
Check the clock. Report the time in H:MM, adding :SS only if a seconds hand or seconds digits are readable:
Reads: 10:08:47
